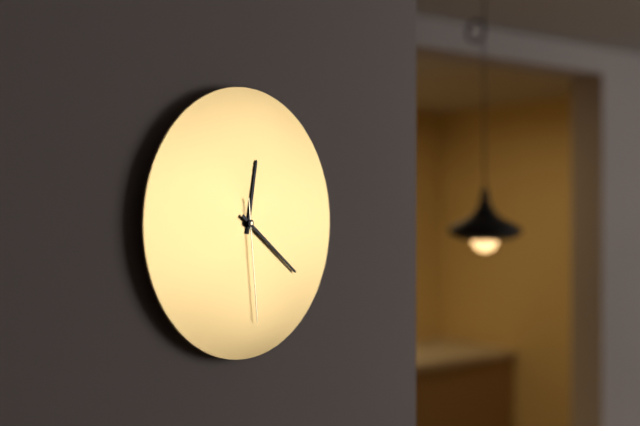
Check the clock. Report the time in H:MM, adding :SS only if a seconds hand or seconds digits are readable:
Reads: 12:21:29
